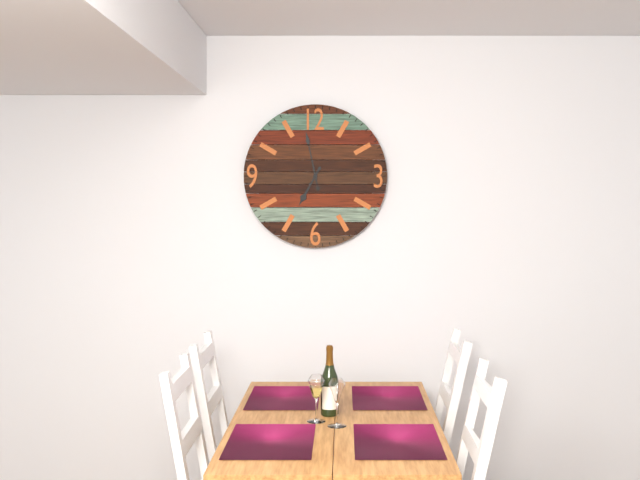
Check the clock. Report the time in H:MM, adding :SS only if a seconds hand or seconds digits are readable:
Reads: 6:58
